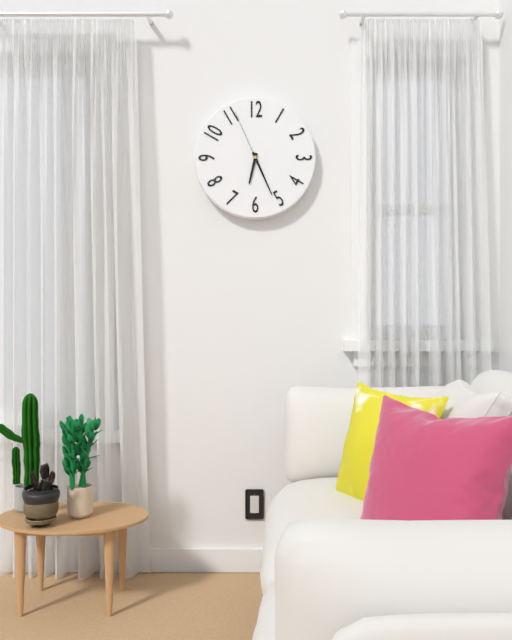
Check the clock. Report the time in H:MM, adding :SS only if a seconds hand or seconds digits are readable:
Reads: 6:26:56
